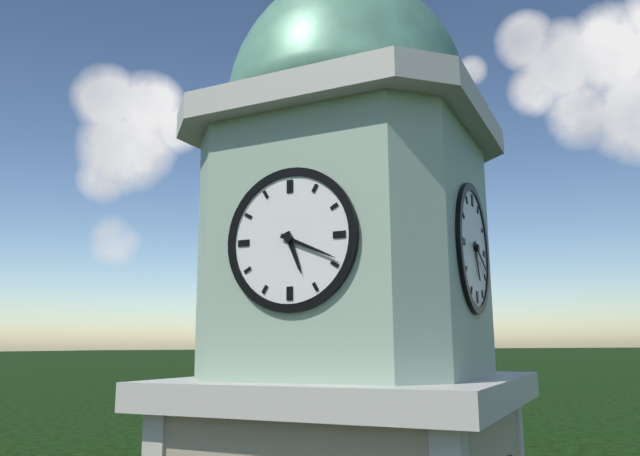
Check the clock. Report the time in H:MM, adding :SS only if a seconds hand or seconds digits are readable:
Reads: 5:19
